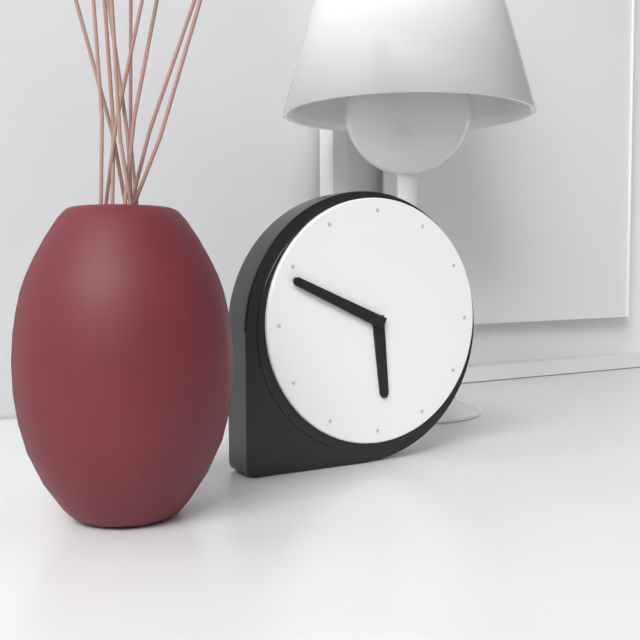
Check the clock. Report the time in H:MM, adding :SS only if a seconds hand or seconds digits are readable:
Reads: 5:49
